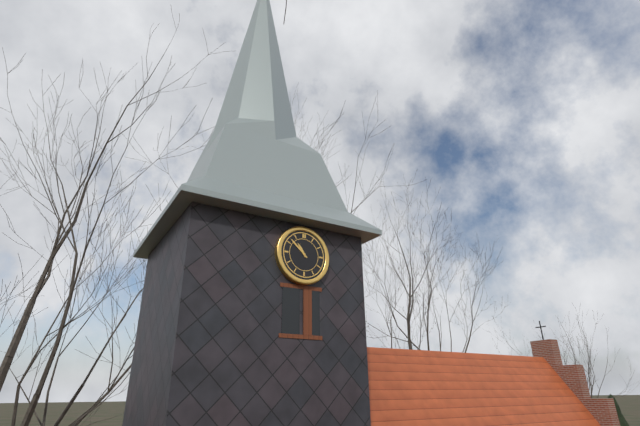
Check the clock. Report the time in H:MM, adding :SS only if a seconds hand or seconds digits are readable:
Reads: 10:52
